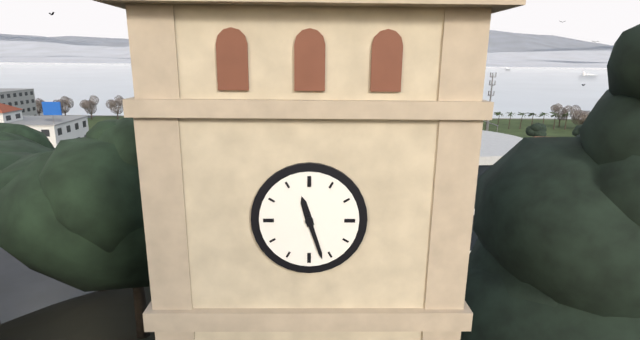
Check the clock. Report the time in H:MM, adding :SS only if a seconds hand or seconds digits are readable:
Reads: 11:27
